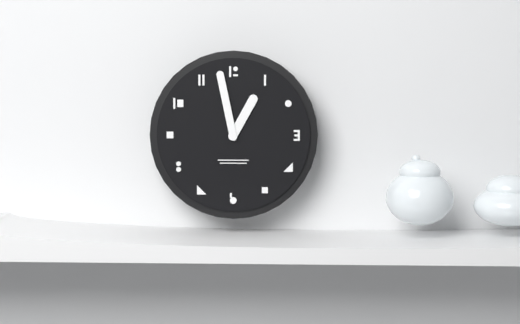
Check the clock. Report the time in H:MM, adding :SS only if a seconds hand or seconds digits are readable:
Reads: 12:58
